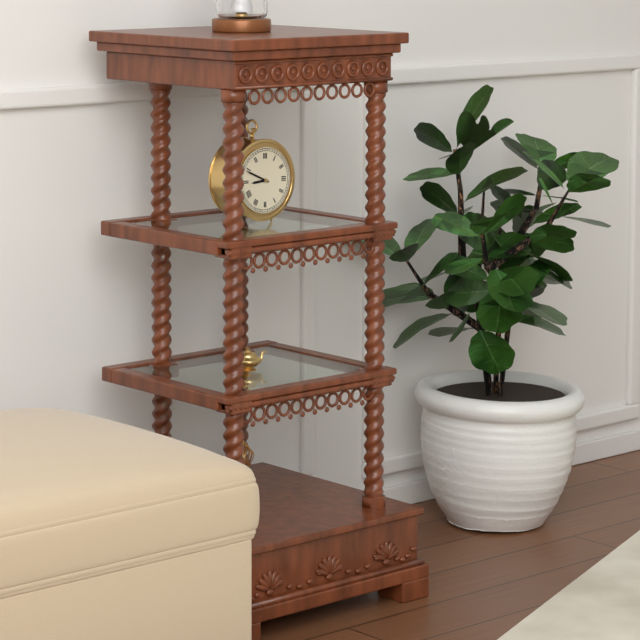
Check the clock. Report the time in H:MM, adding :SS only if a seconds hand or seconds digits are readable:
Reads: 8:49
